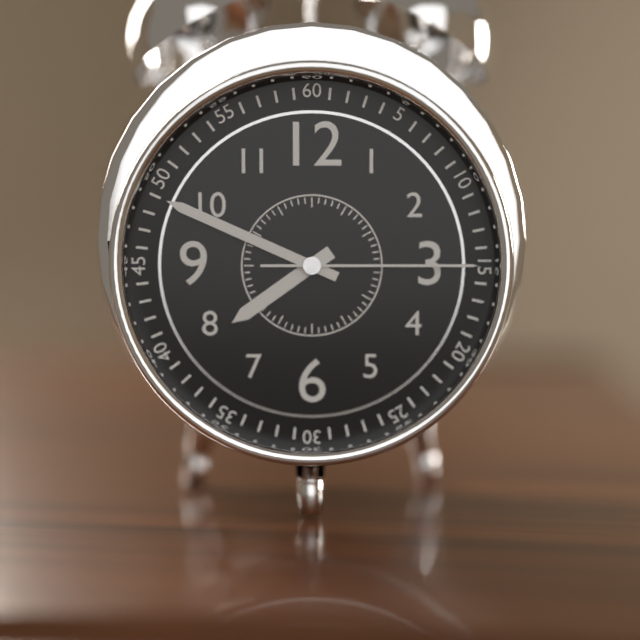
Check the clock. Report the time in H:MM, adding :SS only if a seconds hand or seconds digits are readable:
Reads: 7:49:15
